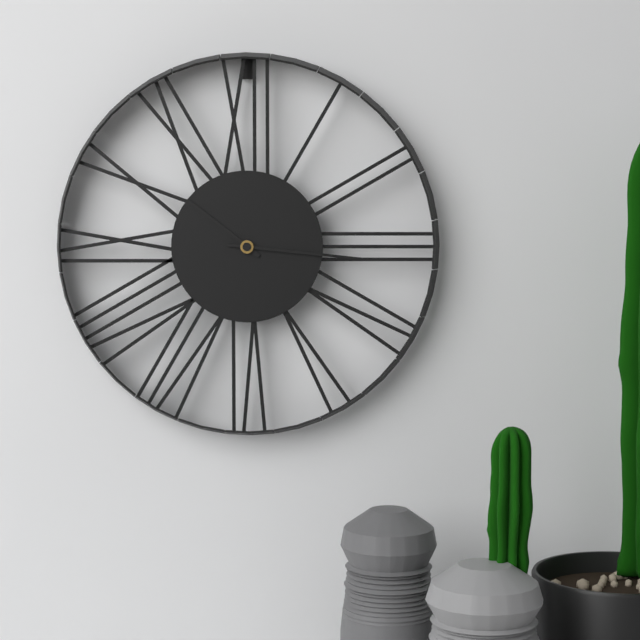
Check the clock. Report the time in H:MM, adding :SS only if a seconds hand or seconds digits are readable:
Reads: 10:16
